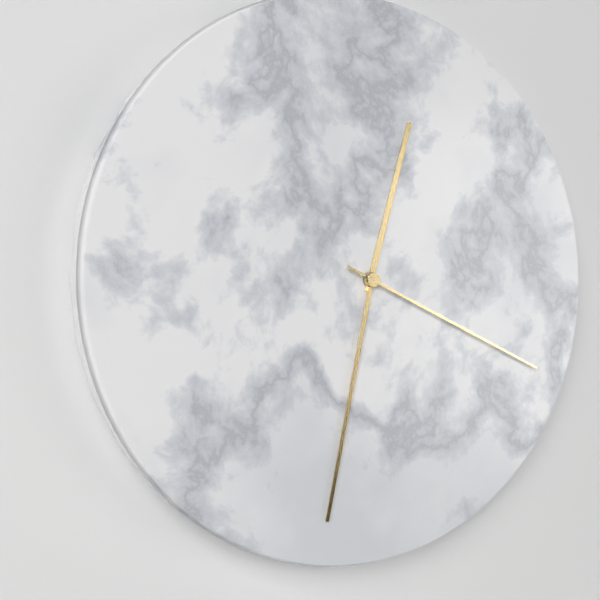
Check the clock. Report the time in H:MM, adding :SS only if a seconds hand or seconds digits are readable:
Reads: 12:32:19
